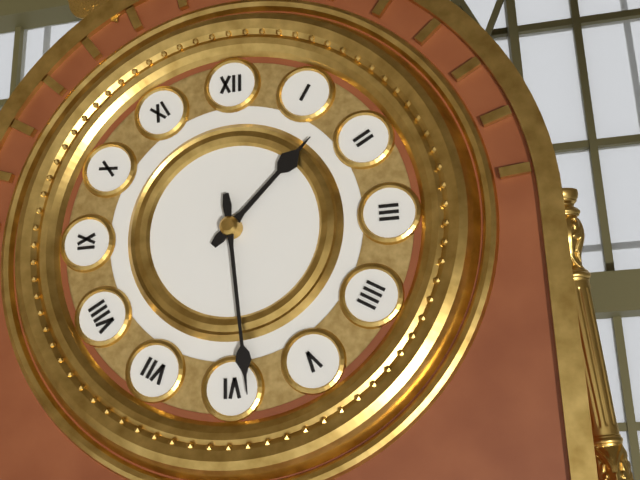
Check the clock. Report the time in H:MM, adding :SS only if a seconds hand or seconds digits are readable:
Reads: 1:29
